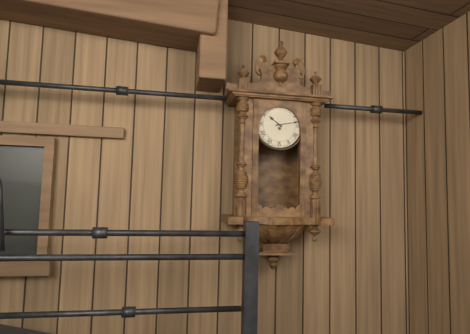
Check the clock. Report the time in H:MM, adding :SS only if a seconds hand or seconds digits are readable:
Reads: 10:13
